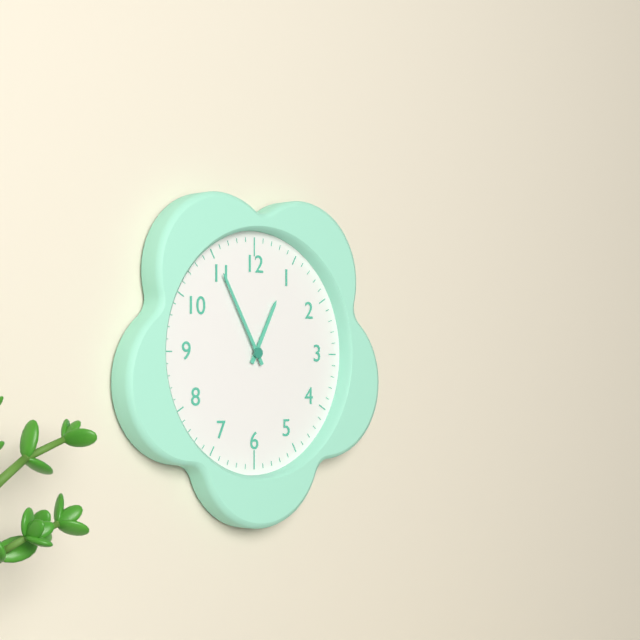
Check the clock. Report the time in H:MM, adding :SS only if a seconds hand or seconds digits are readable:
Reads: 12:55
